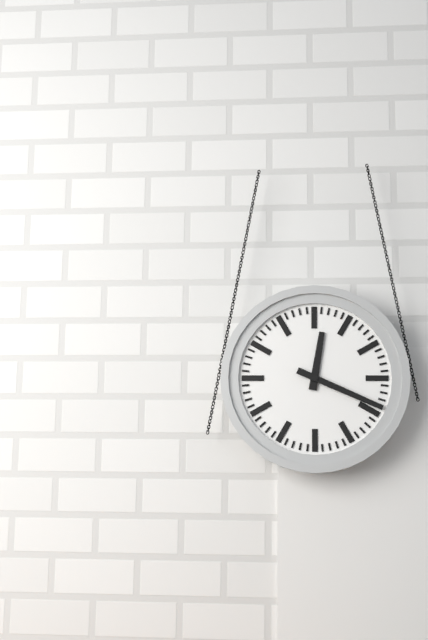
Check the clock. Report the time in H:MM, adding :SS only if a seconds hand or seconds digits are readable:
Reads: 12:19
